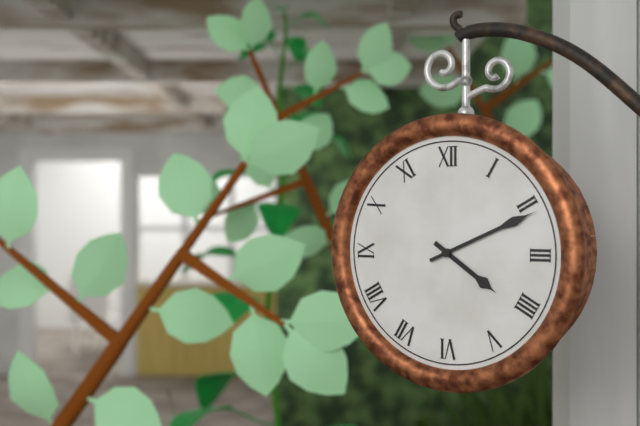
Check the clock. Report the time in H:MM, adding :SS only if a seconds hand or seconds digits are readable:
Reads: 4:11
